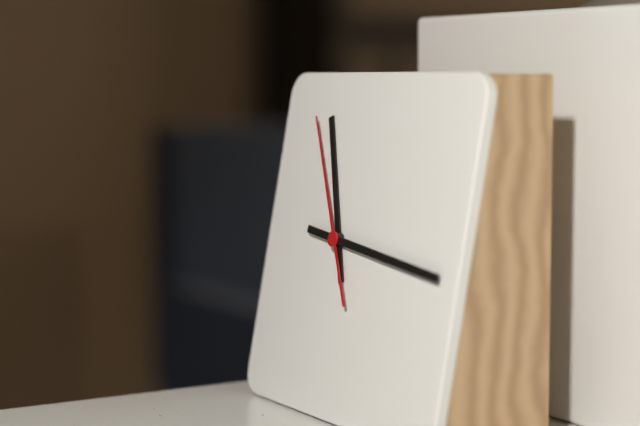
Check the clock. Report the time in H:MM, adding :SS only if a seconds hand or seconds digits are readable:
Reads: 11:16:55
